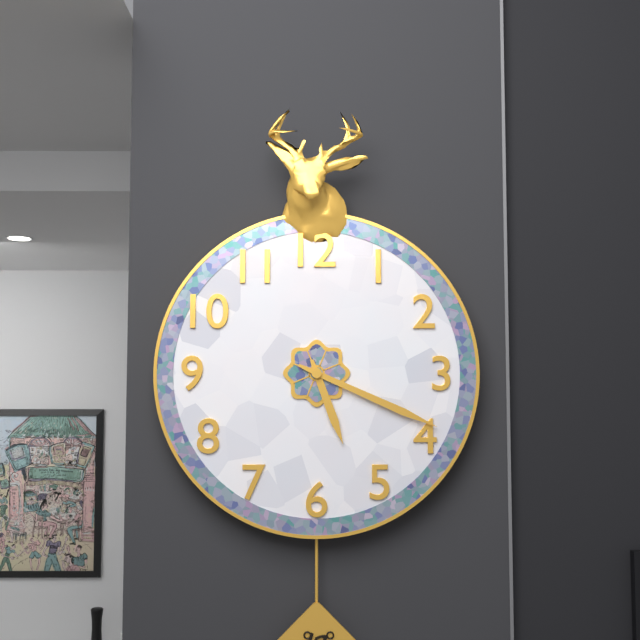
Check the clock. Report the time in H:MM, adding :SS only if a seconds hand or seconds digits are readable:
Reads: 5:19
